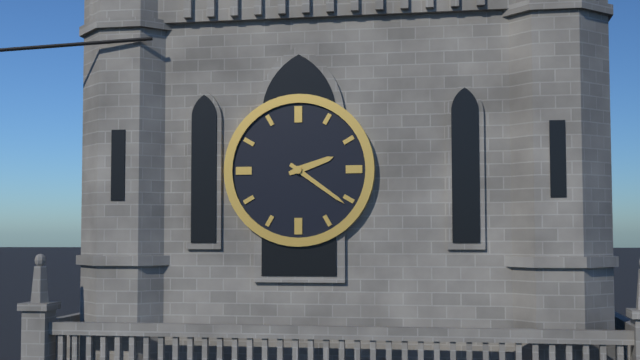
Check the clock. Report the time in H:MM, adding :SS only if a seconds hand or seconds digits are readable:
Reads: 2:21
